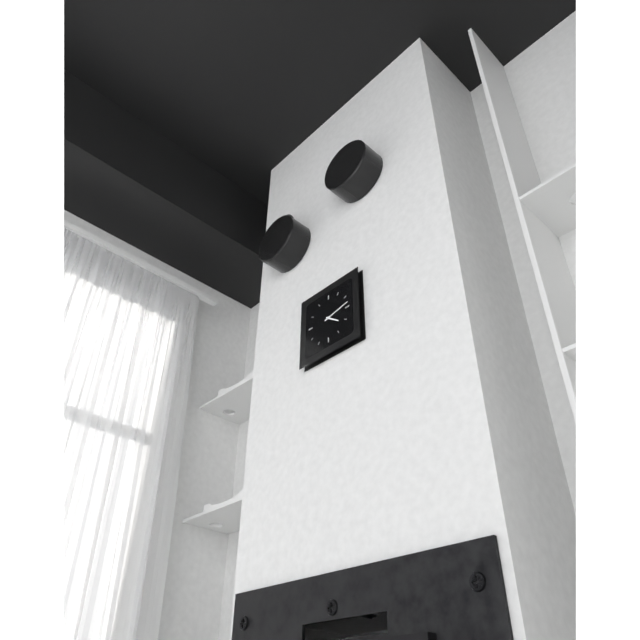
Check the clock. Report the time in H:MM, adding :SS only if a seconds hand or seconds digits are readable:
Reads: 4:13
